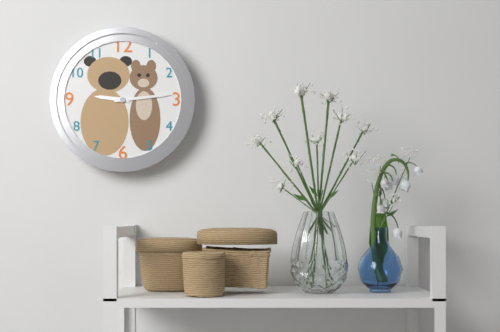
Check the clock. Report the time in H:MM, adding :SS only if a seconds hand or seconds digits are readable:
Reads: 9:14
